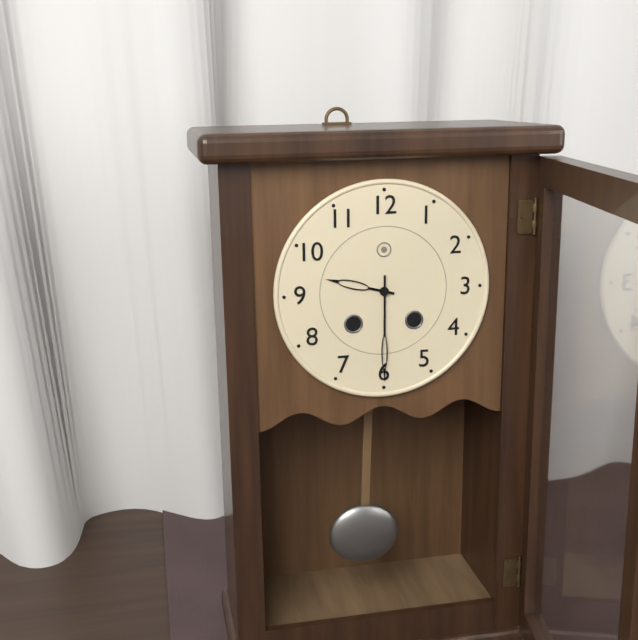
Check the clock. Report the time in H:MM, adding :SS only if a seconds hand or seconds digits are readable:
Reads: 9:30
